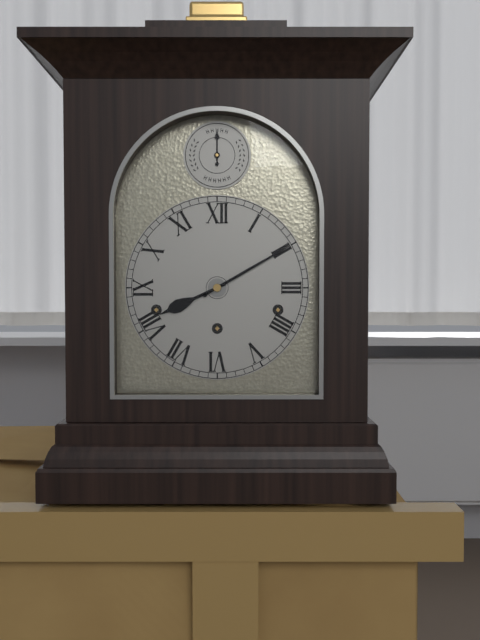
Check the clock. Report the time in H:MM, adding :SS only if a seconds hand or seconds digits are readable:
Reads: 8:10
